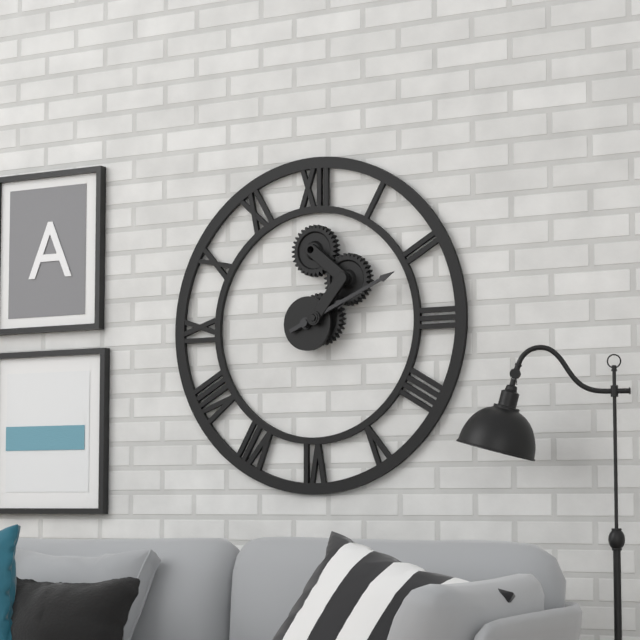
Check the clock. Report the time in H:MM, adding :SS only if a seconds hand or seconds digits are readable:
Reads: 2:11
